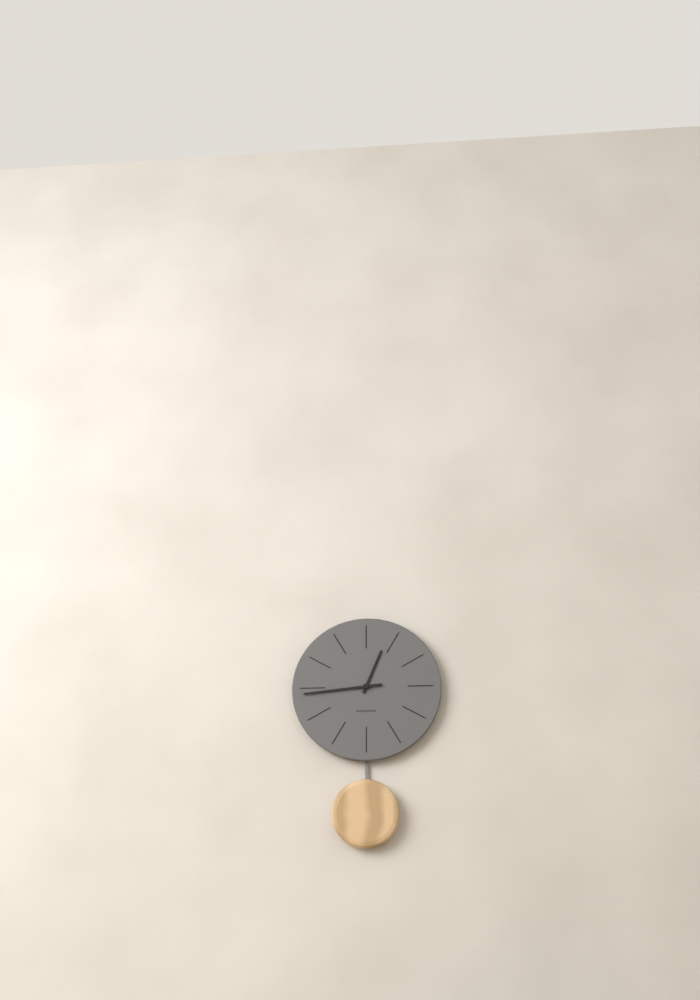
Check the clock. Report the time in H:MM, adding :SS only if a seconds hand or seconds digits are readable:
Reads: 12:44
